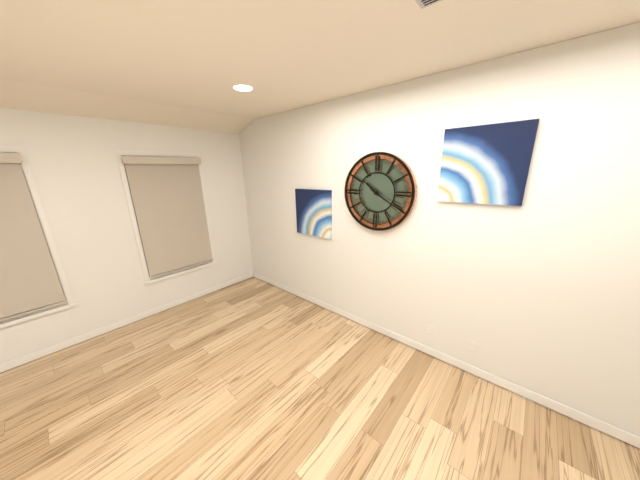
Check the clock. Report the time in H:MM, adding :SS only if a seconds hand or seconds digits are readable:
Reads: 10:20
